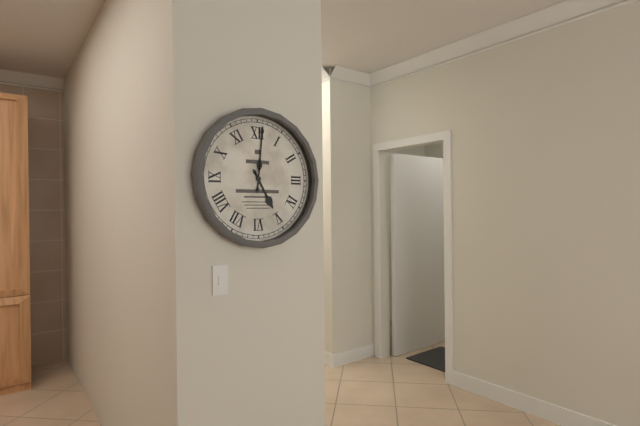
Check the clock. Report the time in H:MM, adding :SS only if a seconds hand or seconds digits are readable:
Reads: 5:01
